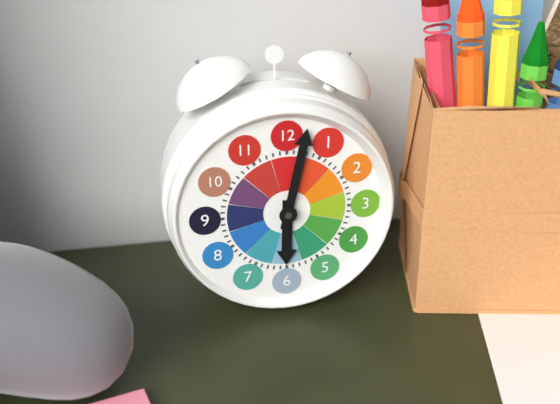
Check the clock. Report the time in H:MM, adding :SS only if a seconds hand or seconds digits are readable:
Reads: 6:02
